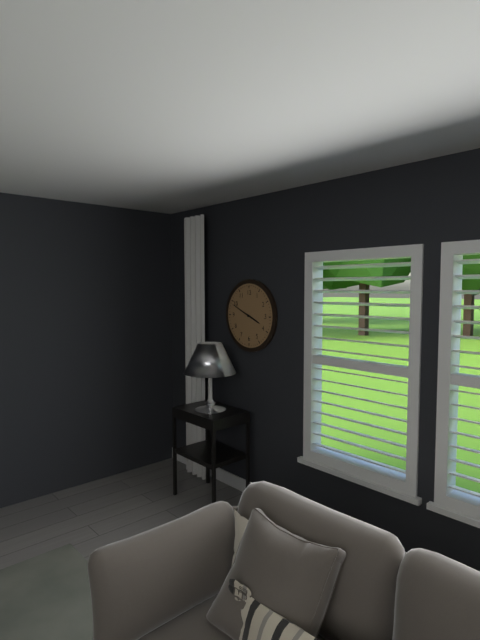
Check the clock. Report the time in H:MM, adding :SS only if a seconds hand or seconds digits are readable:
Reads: 3:49
